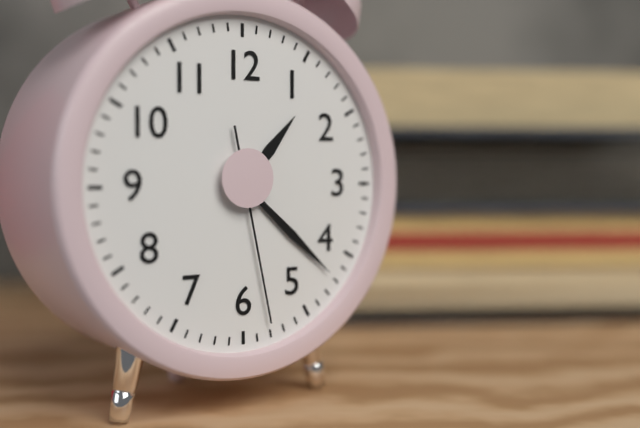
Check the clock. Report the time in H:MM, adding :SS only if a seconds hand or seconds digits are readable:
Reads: 1:22:28
